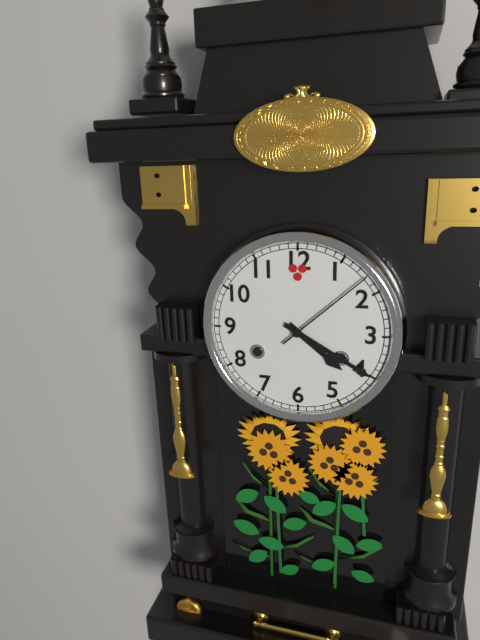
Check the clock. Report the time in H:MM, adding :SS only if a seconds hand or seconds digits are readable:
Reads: 4:20:08
